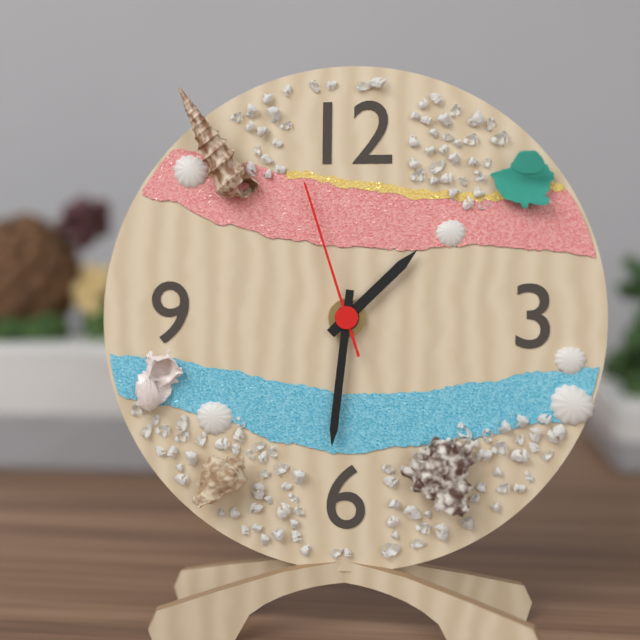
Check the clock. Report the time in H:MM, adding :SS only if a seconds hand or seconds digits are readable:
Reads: 1:31:57
